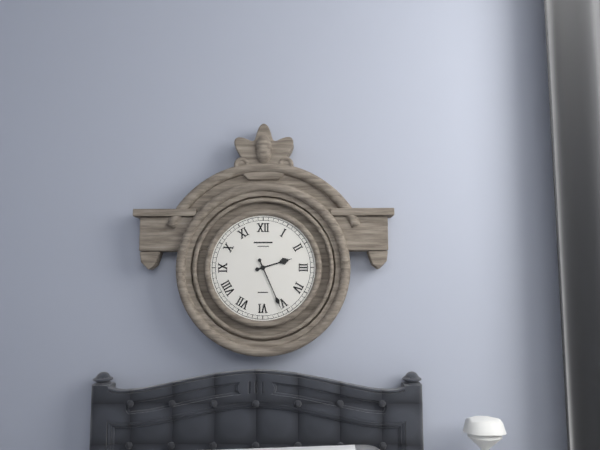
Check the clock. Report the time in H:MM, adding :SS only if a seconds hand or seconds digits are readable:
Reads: 2:26
